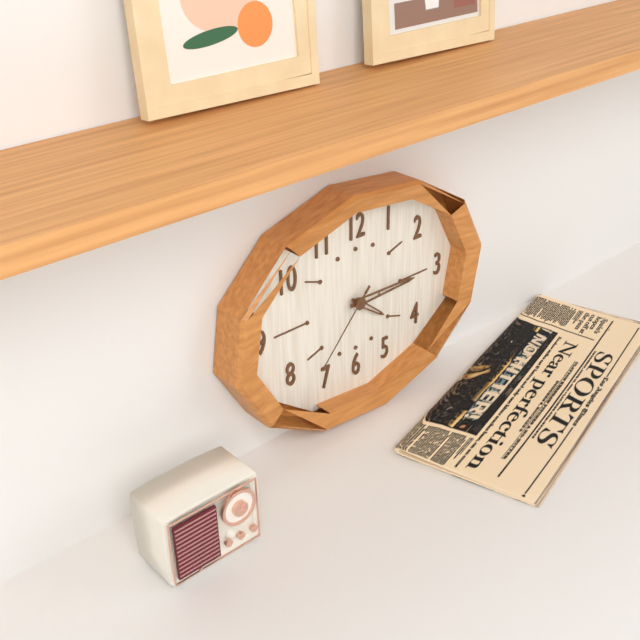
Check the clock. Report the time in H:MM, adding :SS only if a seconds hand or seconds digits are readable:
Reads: 4:15:37
